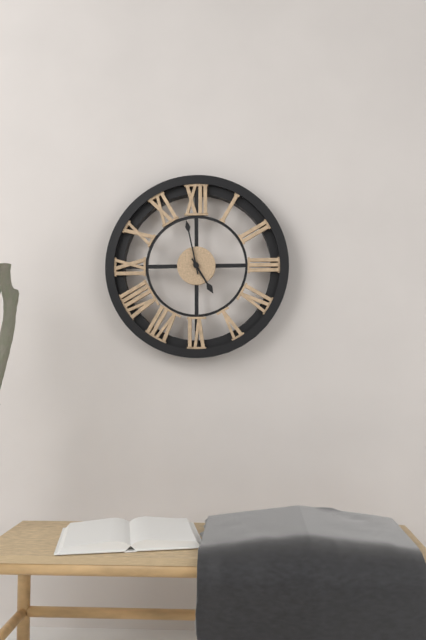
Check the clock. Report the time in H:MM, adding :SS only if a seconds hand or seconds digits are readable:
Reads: 4:58
